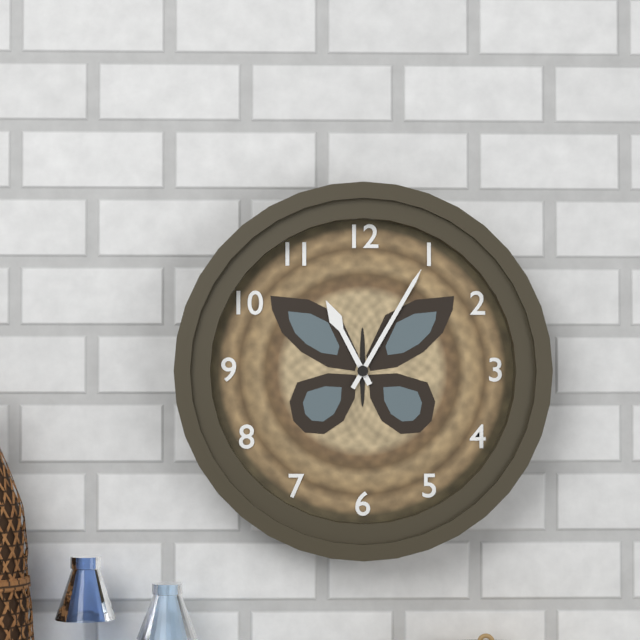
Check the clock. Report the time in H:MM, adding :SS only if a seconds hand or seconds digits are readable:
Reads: 11:05
